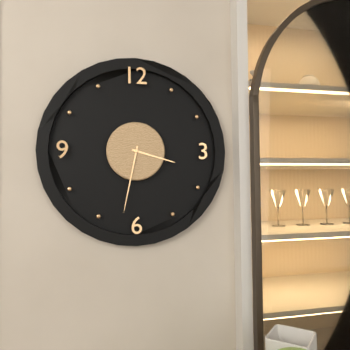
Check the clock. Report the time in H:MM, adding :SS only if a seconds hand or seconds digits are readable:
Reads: 3:32
